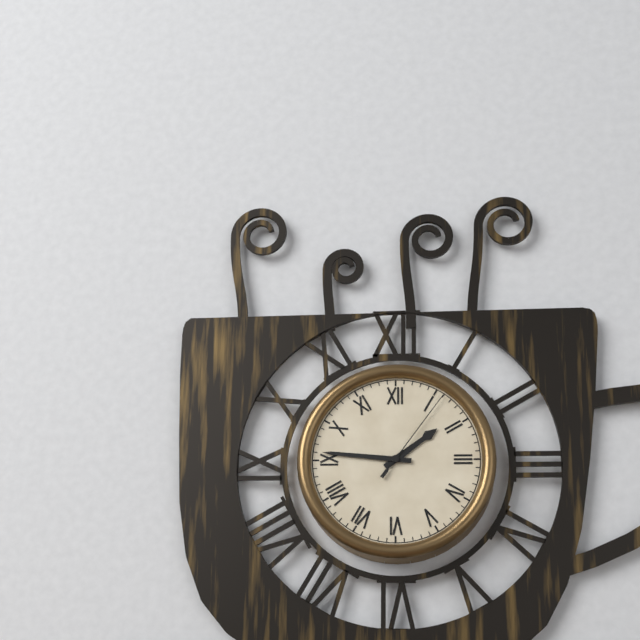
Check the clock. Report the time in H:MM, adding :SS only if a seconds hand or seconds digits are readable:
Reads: 1:46:06
